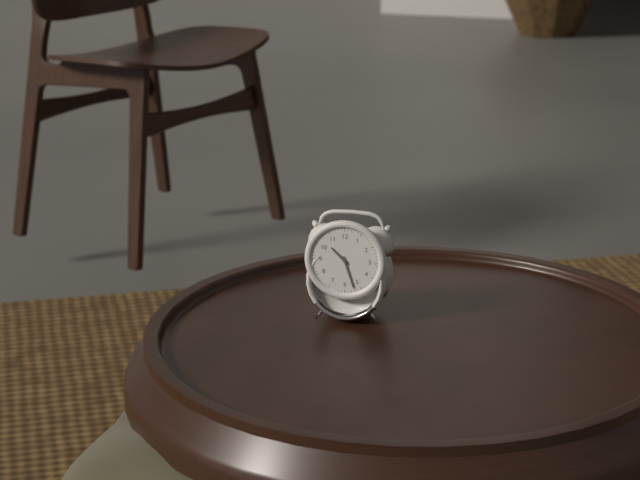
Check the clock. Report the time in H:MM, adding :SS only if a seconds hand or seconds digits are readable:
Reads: 10:27
